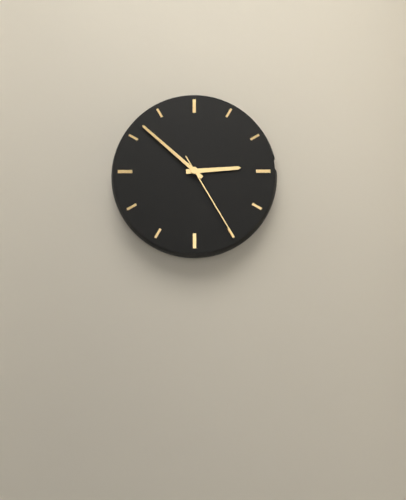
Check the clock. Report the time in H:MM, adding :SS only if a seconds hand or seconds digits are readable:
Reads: 2:52:25
